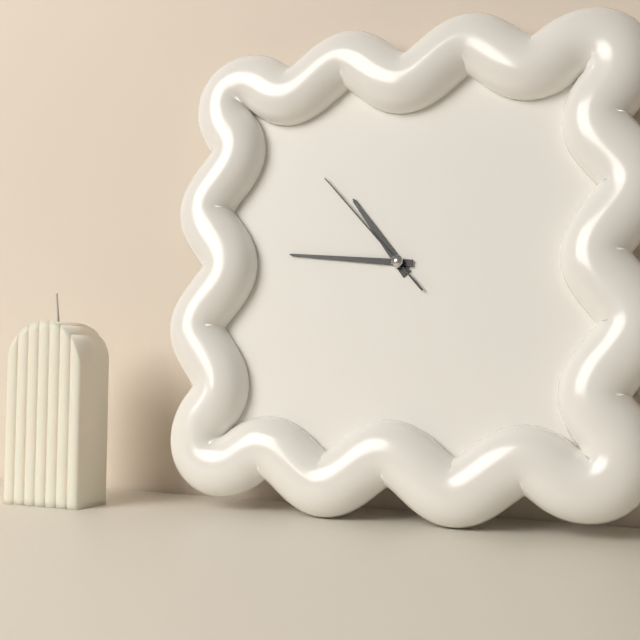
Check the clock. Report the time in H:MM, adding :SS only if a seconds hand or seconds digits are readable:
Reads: 10:46:53
